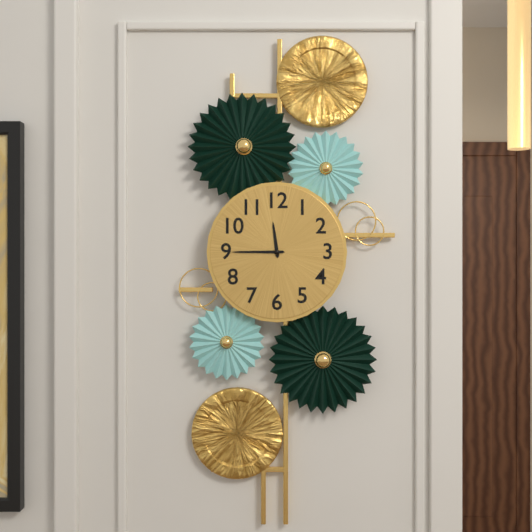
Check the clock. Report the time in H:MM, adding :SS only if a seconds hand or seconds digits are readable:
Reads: 11:45
